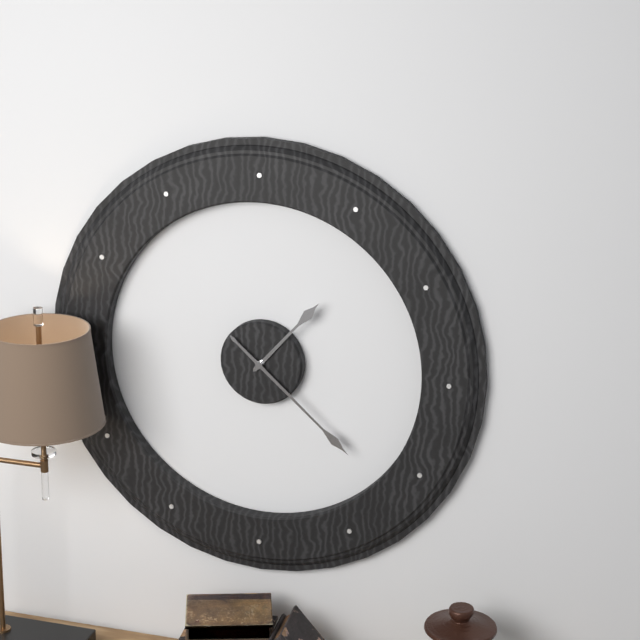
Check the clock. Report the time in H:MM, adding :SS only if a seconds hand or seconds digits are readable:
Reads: 1:22
